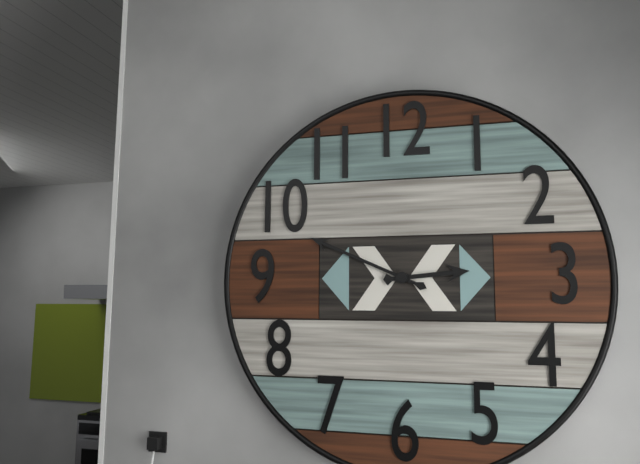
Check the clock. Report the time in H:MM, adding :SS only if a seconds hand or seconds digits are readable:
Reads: 2:49
